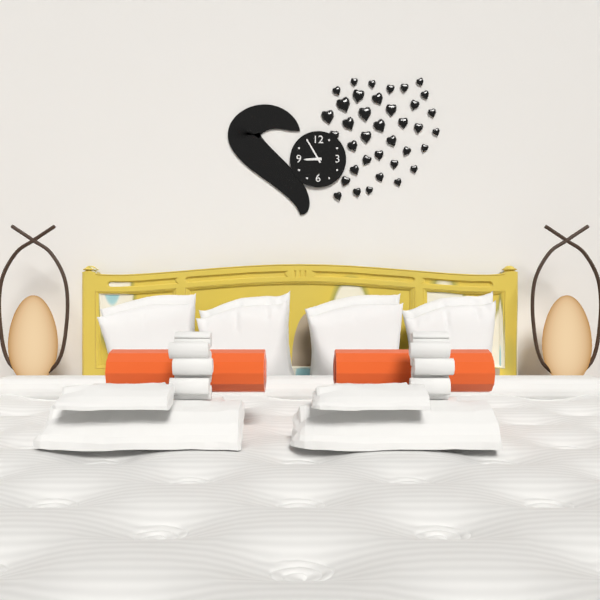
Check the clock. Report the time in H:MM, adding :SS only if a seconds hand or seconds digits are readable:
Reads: 8:55
